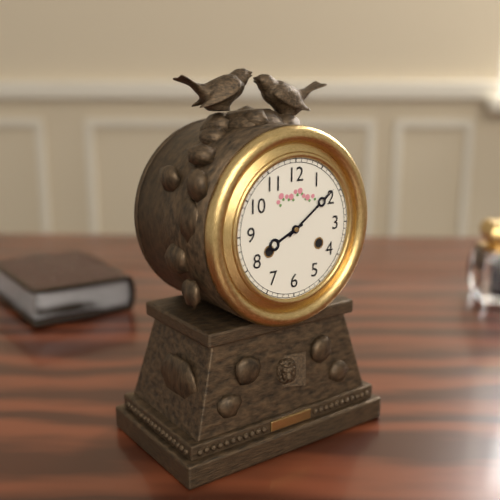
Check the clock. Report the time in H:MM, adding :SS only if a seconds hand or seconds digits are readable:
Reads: 8:09
